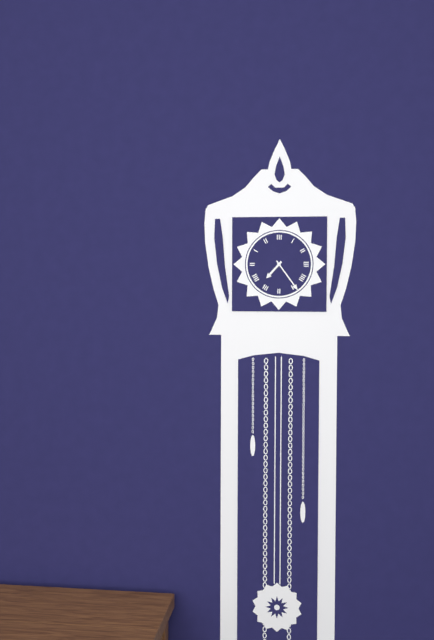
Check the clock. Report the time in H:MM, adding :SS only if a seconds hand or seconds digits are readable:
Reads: 7:24
